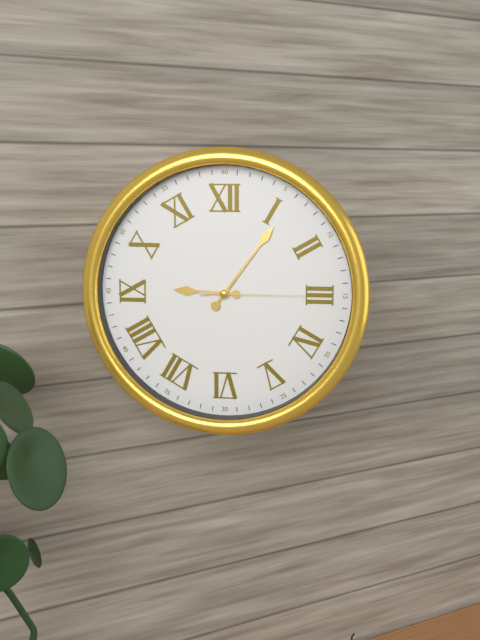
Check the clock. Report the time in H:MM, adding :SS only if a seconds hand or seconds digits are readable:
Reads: 9:06:15
